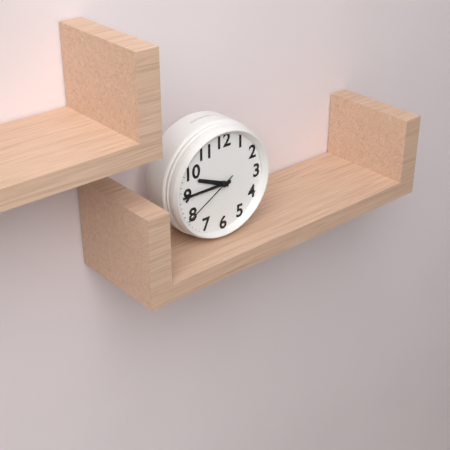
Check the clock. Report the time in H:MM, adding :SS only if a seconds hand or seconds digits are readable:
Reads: 9:45:40
